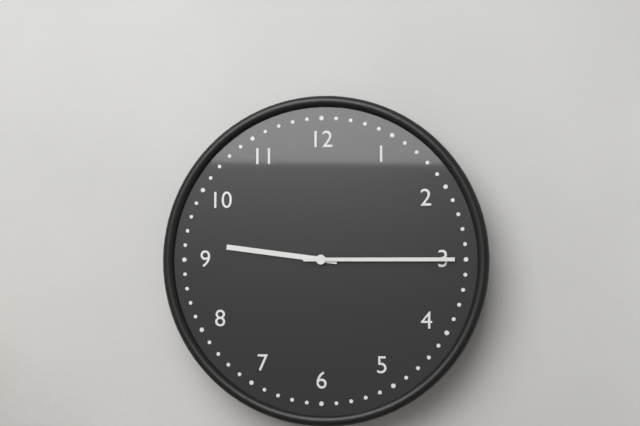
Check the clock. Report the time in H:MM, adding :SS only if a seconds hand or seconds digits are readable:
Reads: 9:15
